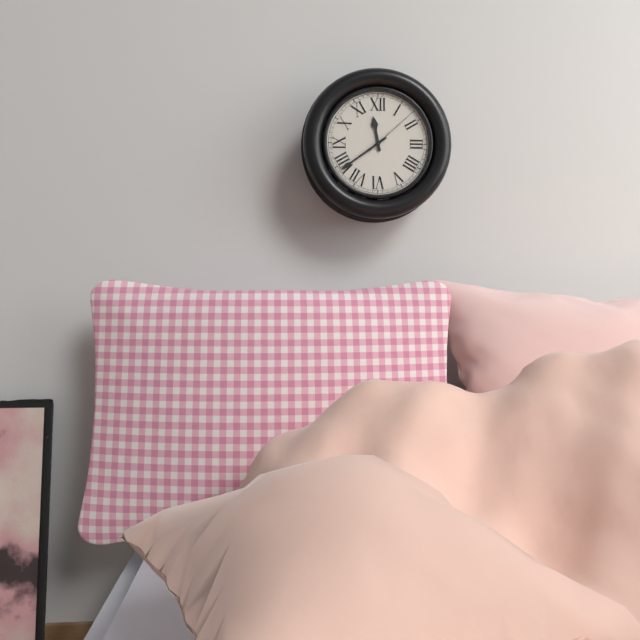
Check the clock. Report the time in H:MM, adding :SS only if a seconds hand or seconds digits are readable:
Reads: 11:39:08
